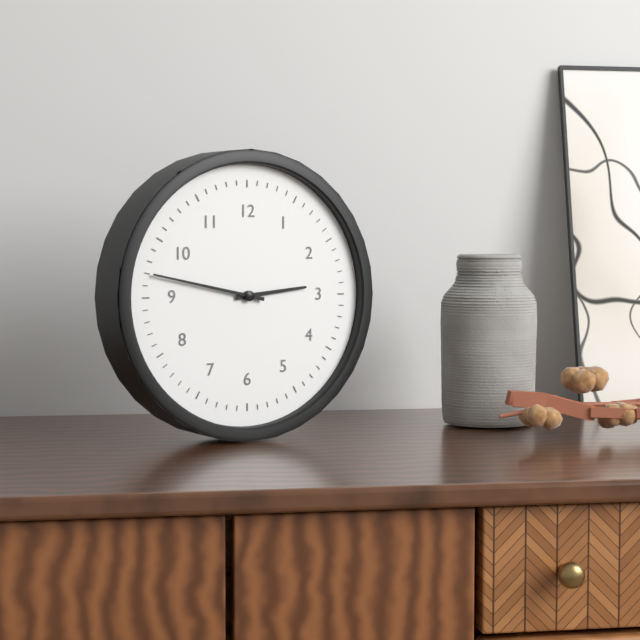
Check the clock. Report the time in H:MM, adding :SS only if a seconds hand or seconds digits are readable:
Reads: 2:47
